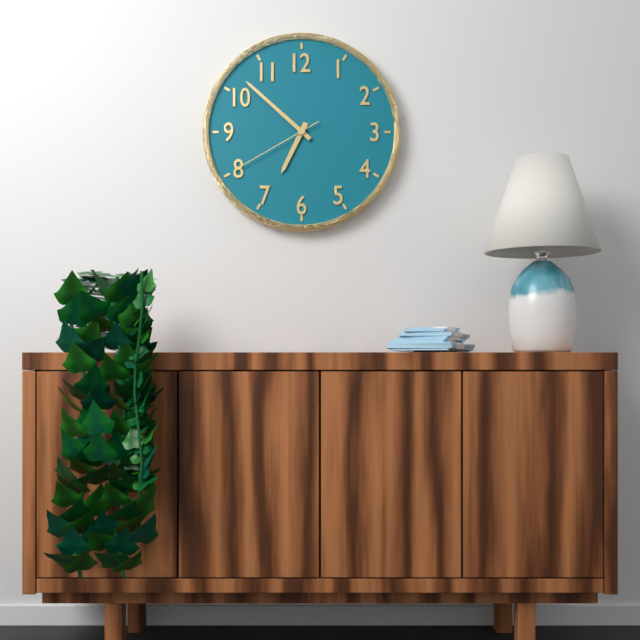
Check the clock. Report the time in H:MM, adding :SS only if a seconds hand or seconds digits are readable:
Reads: 6:52:40
